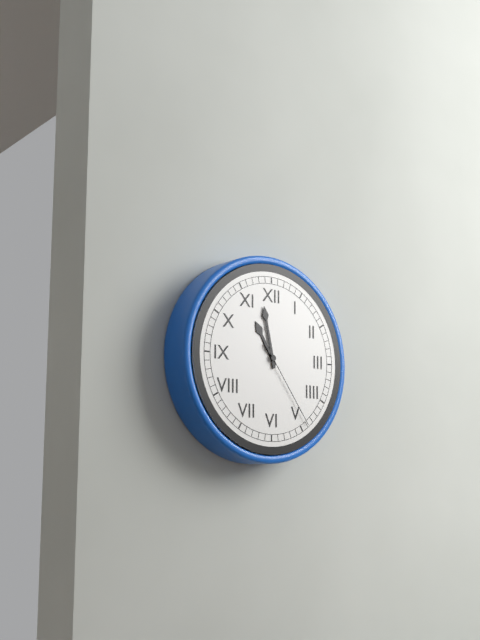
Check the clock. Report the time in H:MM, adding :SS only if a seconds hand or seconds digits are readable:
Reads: 10:58:24
